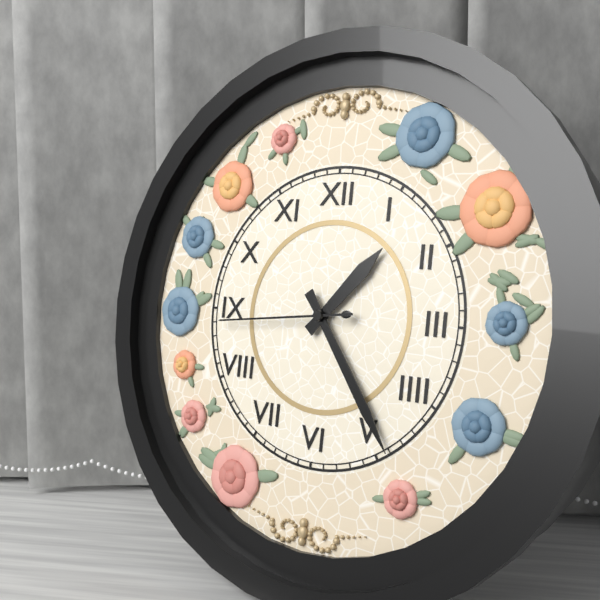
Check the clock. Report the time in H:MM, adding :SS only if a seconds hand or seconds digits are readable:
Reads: 1:24:44
